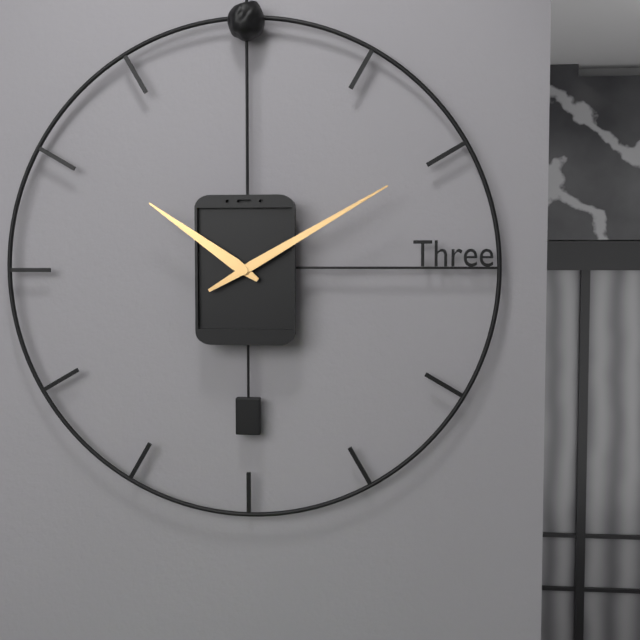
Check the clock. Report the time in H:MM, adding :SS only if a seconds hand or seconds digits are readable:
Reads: 10:10
